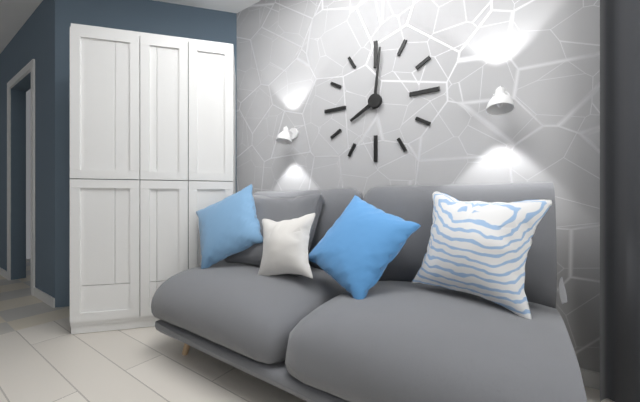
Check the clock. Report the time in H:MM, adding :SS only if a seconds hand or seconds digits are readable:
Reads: 8:01
